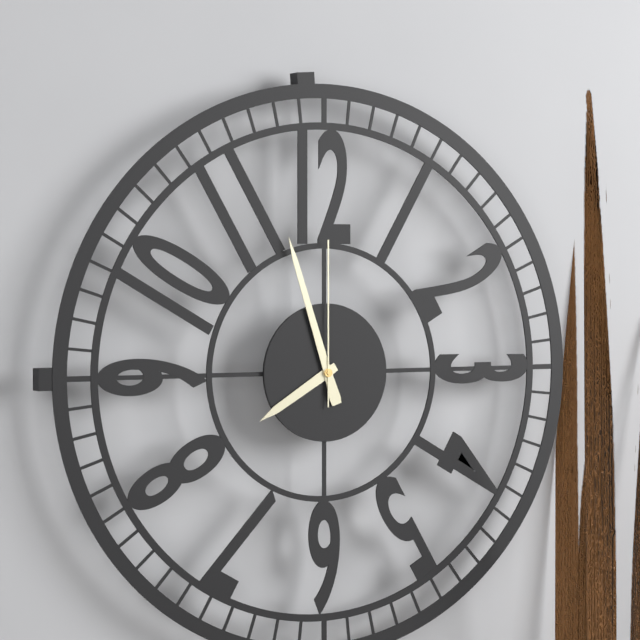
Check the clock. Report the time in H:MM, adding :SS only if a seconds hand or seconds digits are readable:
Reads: 7:57:00
